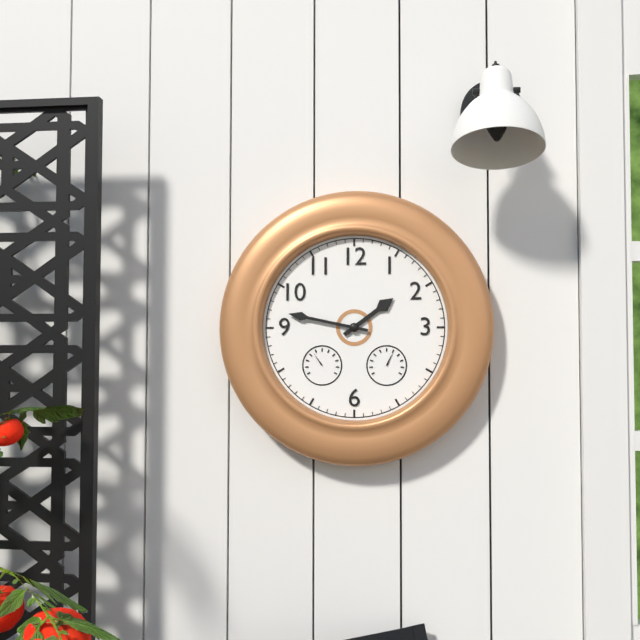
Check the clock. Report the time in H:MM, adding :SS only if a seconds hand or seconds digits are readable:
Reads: 1:47
